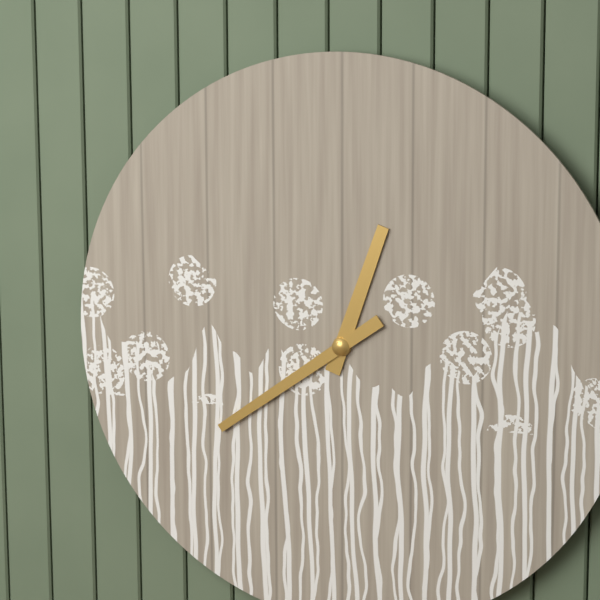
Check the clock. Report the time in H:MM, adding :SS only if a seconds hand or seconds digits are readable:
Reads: 12:39
